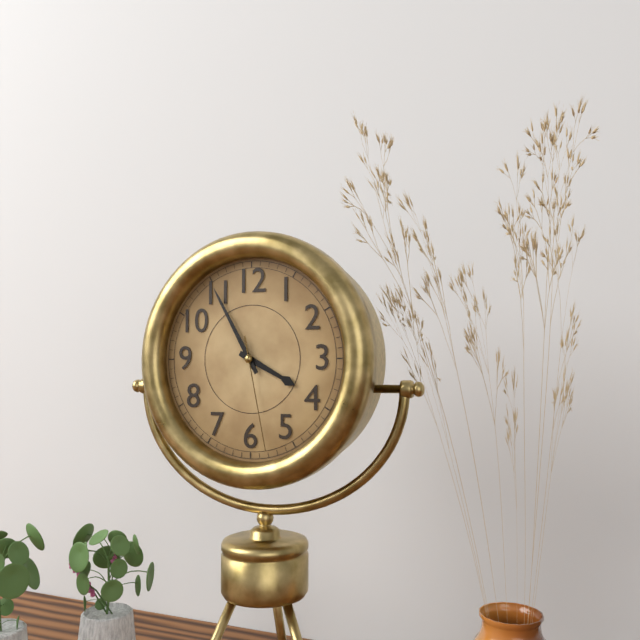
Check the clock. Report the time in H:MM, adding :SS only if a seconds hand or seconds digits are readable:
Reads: 3:55:28
